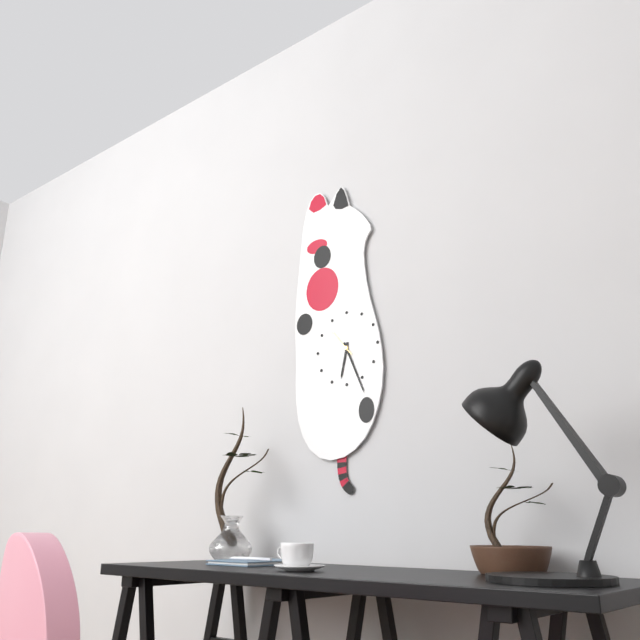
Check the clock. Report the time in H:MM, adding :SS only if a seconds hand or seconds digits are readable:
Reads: 6:26
